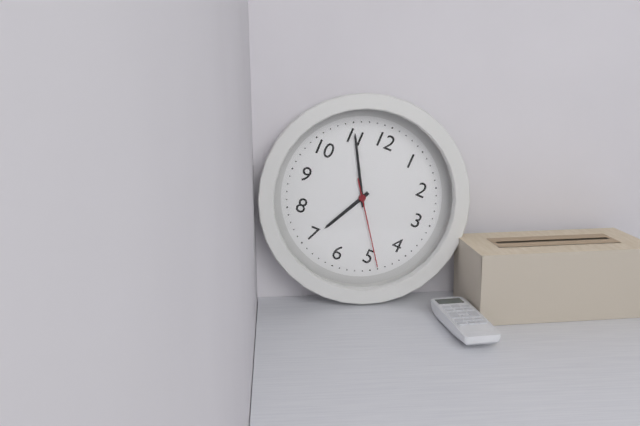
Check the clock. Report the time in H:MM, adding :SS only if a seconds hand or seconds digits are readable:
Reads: 6:55:24
